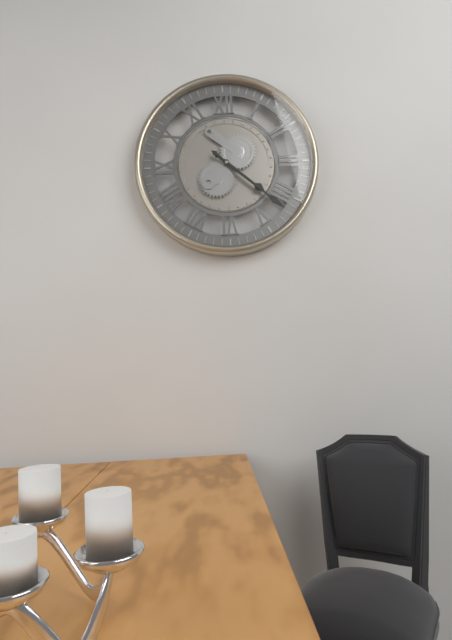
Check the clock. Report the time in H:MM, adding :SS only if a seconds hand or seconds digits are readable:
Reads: 4:22
